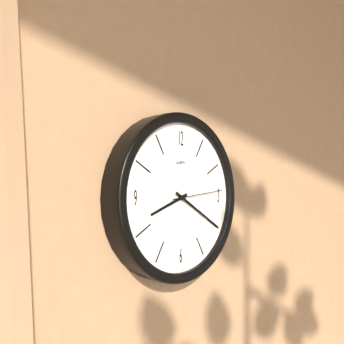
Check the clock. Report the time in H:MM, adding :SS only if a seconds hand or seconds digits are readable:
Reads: 8:20:14
